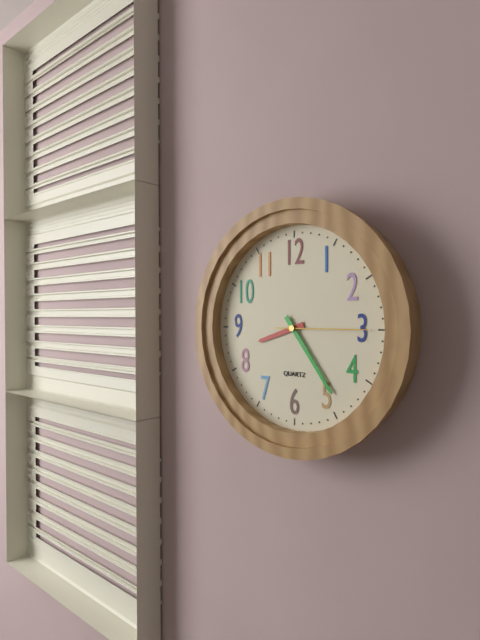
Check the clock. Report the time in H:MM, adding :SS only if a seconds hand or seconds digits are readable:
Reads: 8:24:15
